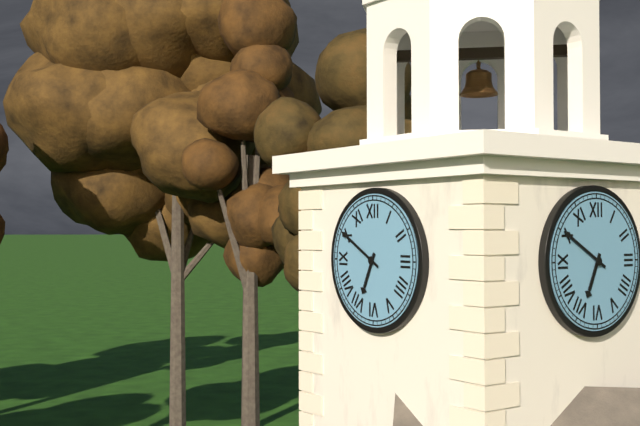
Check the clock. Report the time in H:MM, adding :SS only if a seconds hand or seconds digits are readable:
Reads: 6:50
